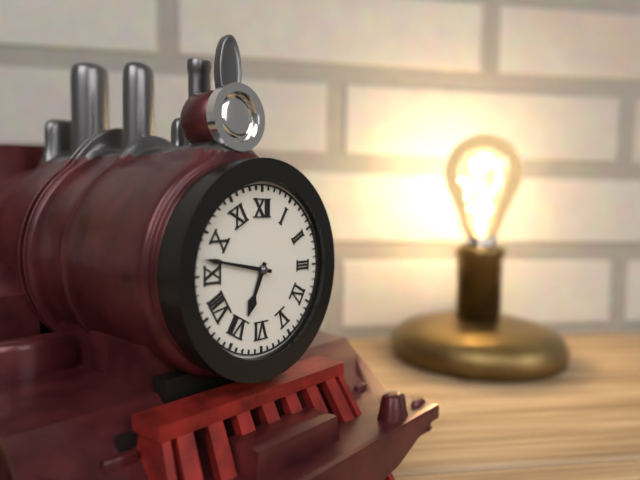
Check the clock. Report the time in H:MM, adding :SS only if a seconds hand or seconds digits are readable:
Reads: 6:47
